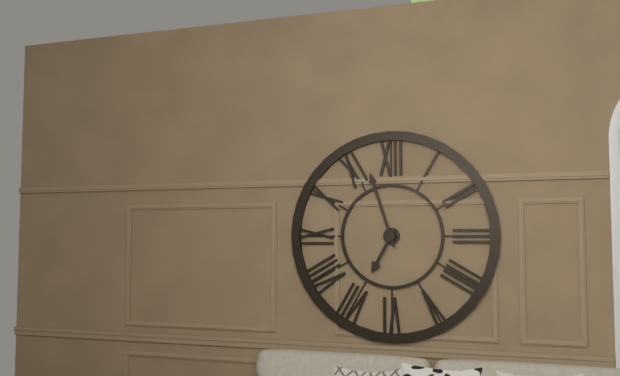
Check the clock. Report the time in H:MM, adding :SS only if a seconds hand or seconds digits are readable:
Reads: 6:57
